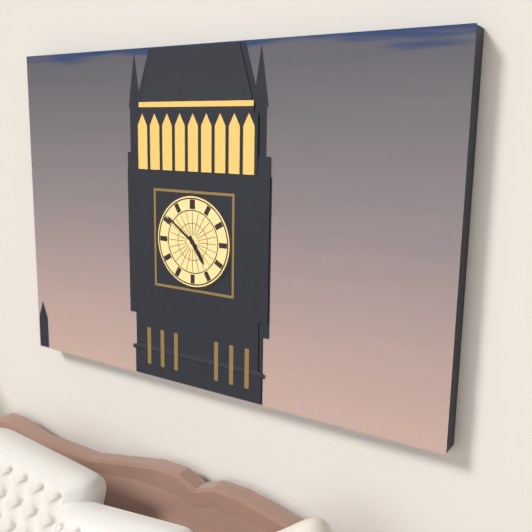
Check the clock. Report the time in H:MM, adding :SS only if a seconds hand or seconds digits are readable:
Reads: 4:51
